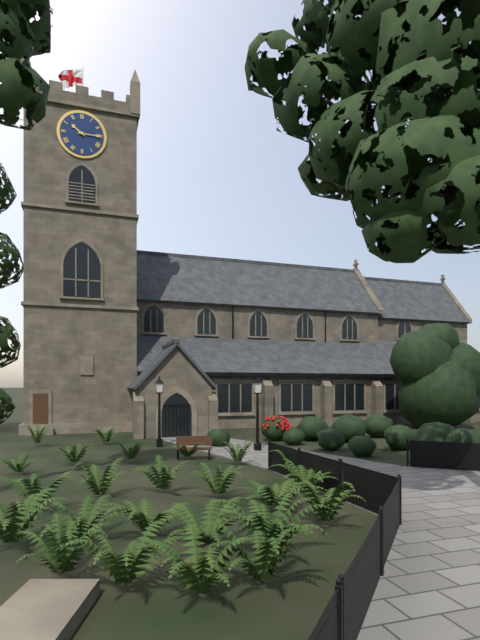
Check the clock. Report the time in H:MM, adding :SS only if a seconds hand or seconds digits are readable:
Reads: 10:15
